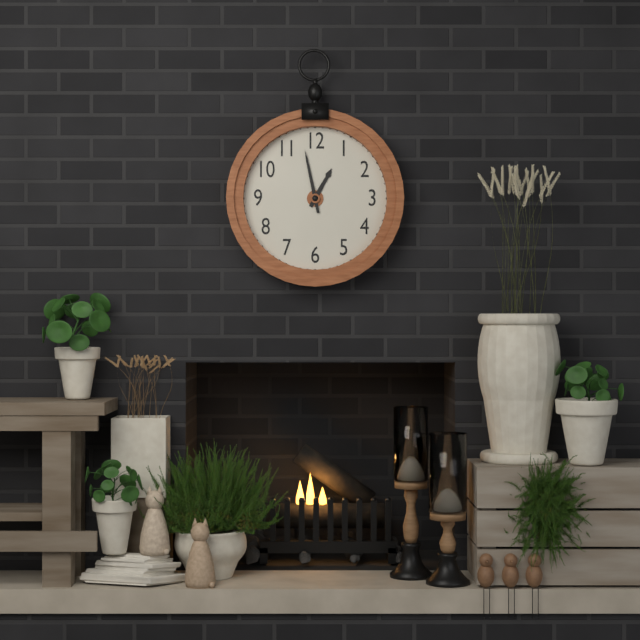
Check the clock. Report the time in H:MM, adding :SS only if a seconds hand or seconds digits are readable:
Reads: 12:58
